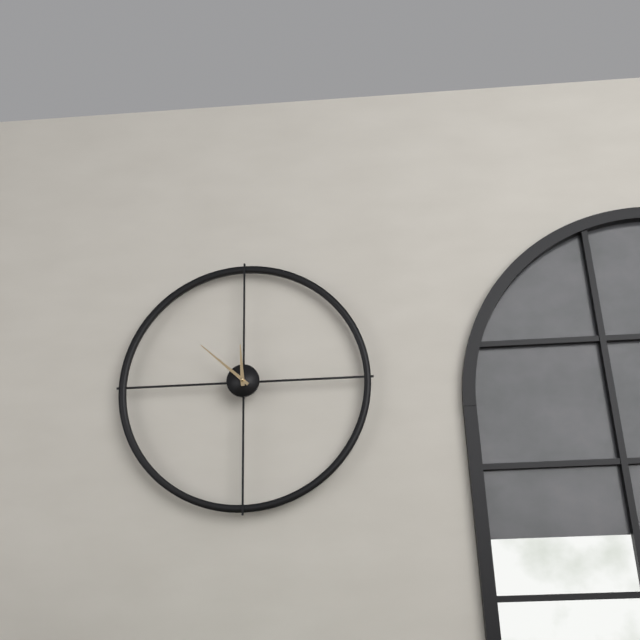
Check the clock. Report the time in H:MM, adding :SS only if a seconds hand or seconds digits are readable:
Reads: 11:52
